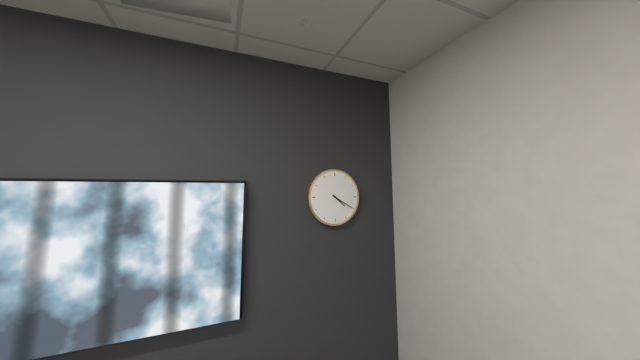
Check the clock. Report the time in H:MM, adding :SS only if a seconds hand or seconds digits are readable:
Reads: 4:20
